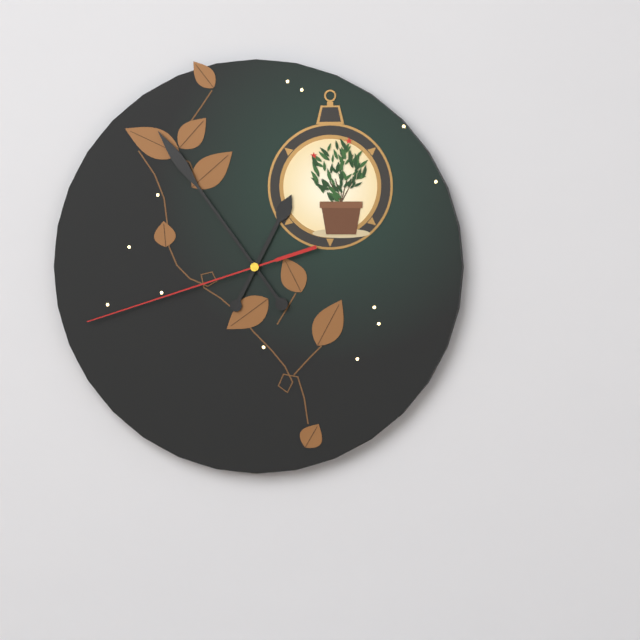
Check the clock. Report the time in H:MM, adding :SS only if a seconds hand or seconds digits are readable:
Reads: 12:54:42
